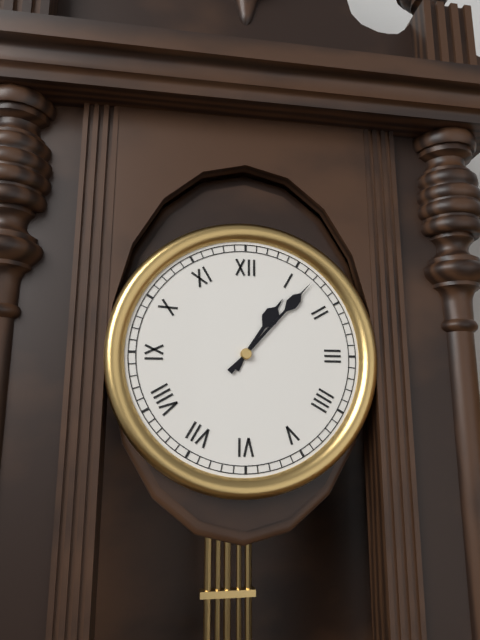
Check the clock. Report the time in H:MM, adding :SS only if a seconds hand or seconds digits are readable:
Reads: 1:07
